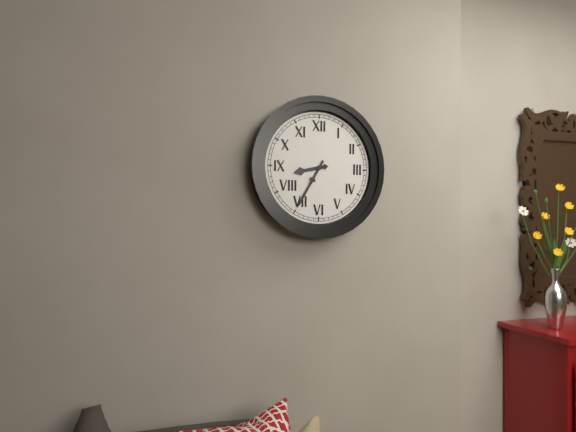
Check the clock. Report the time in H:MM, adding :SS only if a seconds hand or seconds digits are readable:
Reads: 8:35
